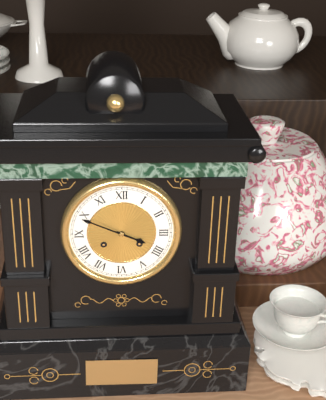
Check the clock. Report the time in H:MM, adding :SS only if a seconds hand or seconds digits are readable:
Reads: 3:49
